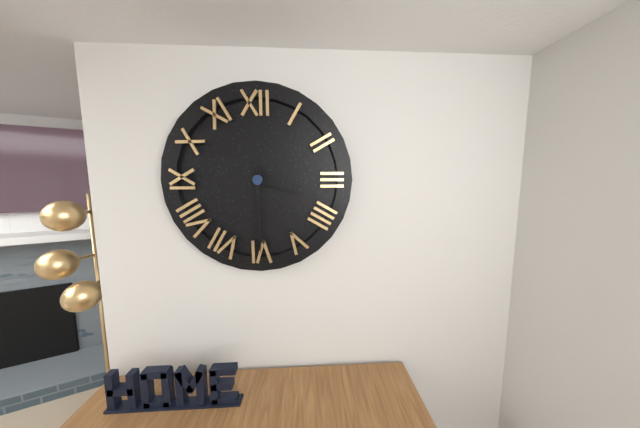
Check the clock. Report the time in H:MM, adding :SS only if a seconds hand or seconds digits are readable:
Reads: 3:30
